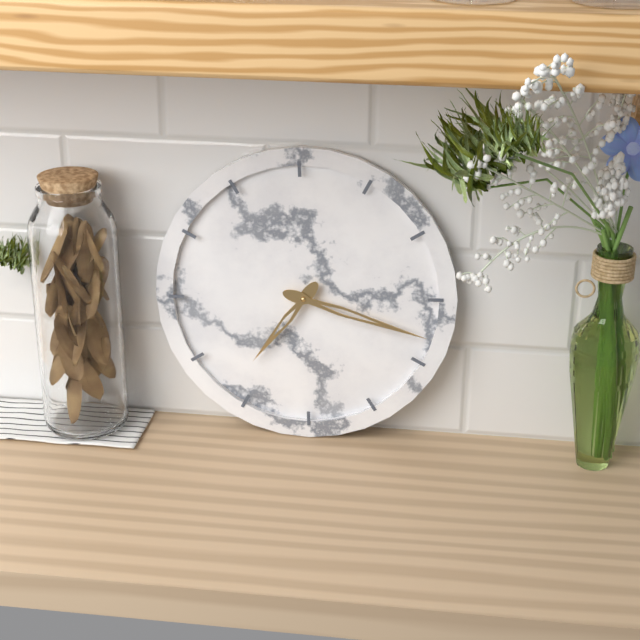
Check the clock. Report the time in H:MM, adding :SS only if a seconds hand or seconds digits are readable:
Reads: 7:18
